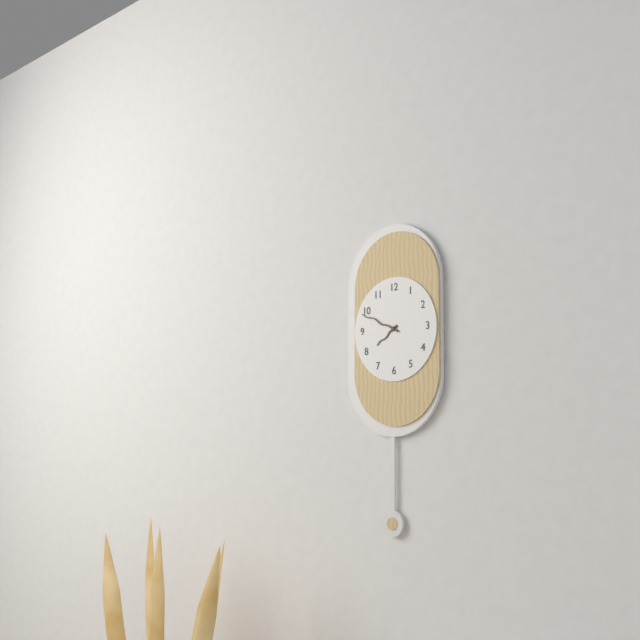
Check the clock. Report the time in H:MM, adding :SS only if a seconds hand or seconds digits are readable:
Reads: 7:49
